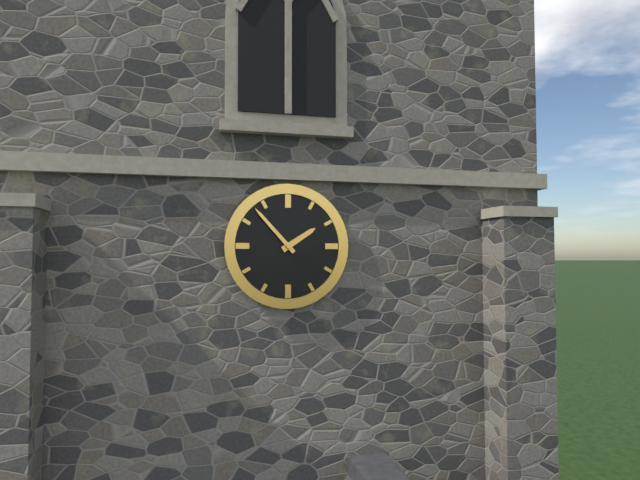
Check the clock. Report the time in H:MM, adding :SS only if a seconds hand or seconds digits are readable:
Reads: 1:53
